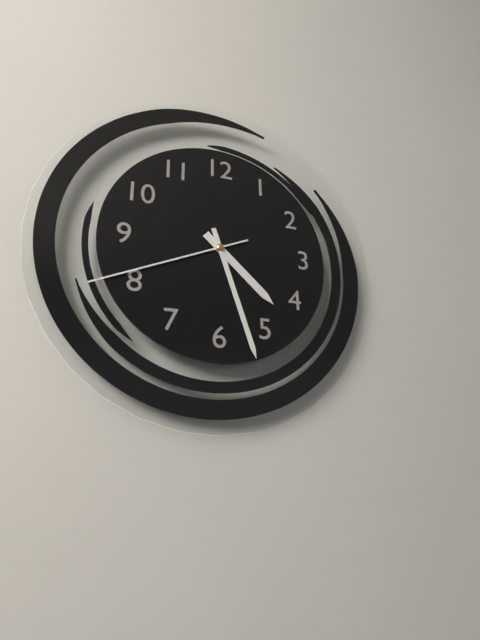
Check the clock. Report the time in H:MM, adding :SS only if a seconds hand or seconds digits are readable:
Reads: 4:27:41
